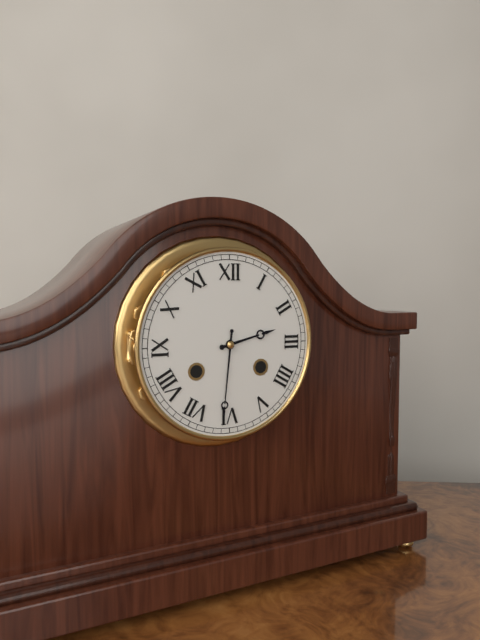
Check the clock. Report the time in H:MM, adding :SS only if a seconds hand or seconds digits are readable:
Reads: 2:31
